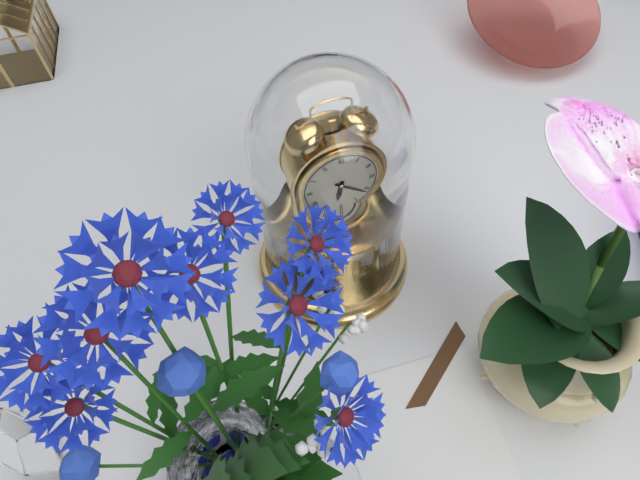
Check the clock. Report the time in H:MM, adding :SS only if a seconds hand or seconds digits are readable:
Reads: 6:21
